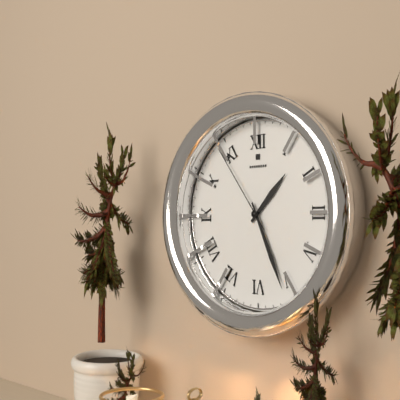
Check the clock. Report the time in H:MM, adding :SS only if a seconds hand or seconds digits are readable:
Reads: 1:26:54
